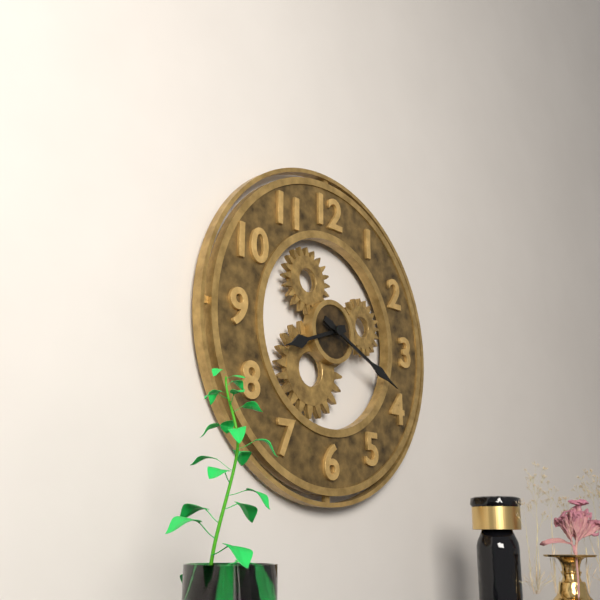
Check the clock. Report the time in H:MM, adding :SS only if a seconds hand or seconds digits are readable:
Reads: 8:19
